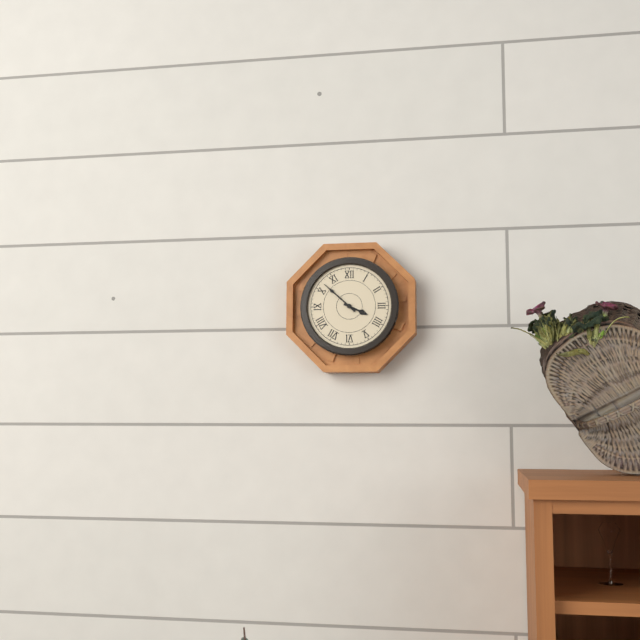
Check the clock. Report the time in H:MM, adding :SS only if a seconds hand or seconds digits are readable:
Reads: 3:52
